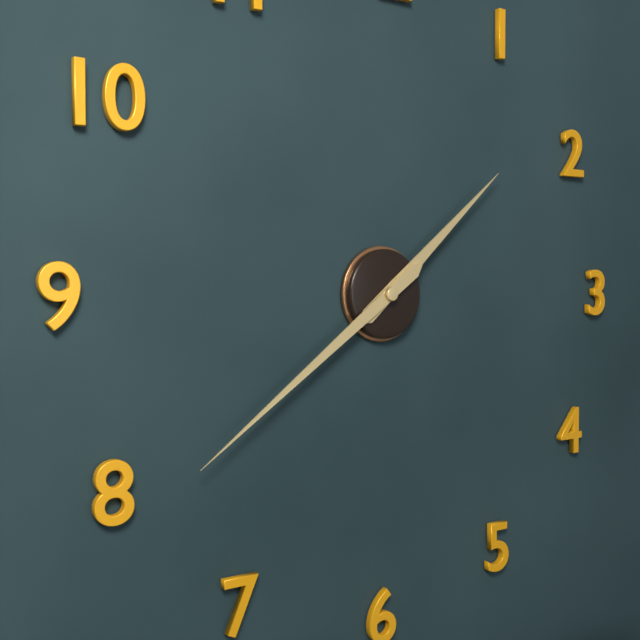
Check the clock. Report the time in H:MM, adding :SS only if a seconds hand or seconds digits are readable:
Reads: 1:39
